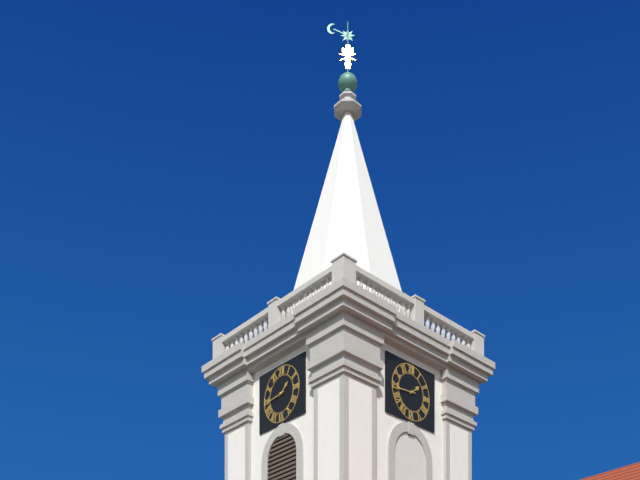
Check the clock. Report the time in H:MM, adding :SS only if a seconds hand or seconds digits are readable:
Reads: 1:44
